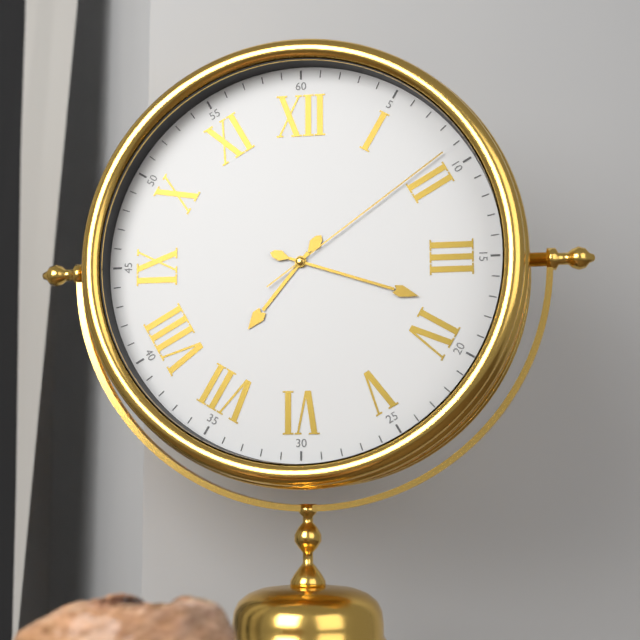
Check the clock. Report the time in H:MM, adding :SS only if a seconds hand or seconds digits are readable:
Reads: 7:18:09
